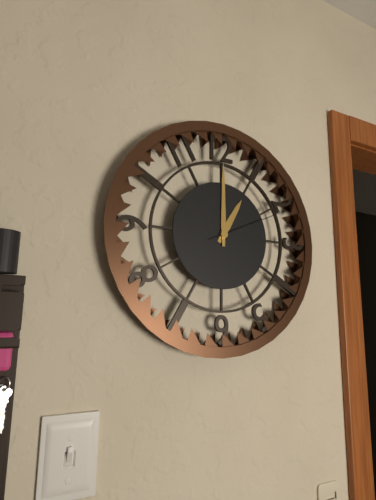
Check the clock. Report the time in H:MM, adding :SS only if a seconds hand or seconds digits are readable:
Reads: 1:00:11
